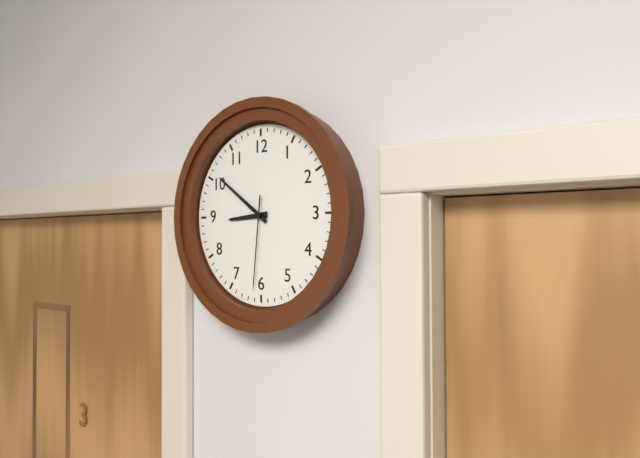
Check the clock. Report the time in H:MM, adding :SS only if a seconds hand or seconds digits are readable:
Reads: 8:51:31
